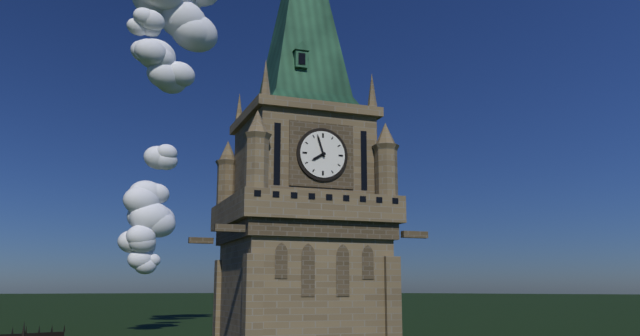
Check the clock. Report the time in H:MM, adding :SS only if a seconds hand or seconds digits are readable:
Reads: 7:57
